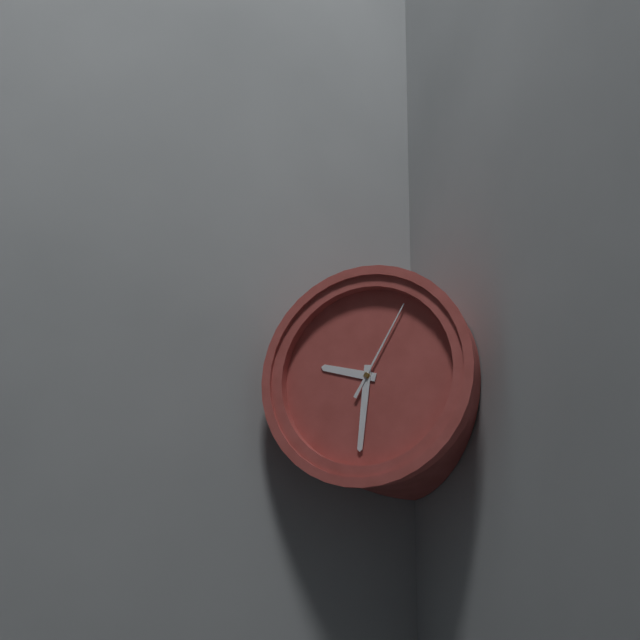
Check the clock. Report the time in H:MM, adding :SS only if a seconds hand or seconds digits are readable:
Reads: 9:31:05
